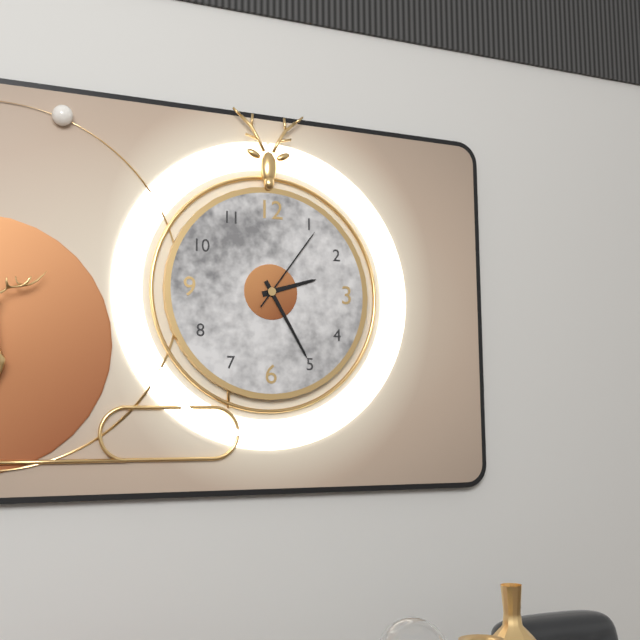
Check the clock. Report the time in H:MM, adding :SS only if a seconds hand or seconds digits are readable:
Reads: 2:25:06
